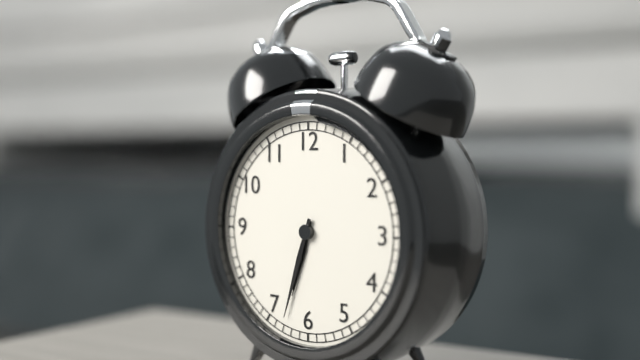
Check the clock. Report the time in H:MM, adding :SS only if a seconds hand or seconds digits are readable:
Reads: 6:33
